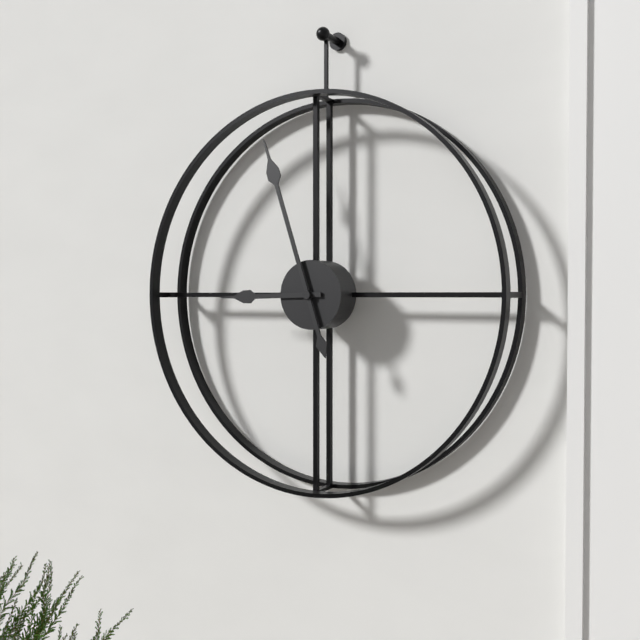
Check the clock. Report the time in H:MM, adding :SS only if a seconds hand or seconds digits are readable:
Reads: 8:57
